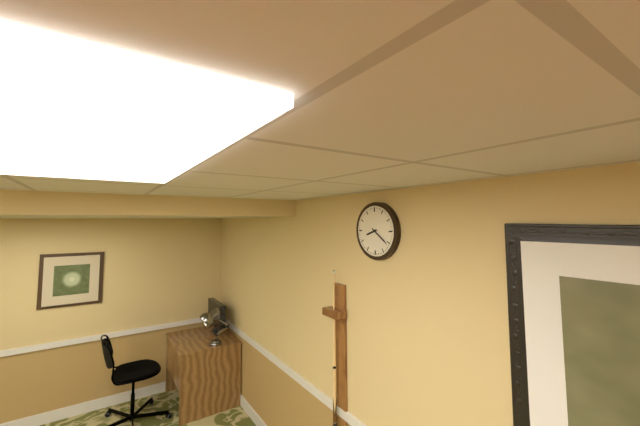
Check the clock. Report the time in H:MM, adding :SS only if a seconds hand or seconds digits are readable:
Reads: 8:21
